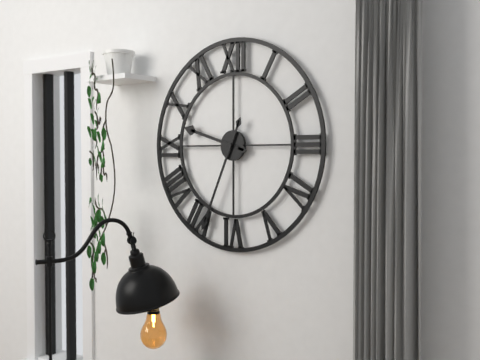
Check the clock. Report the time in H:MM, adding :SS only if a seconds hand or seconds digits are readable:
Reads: 9:34
